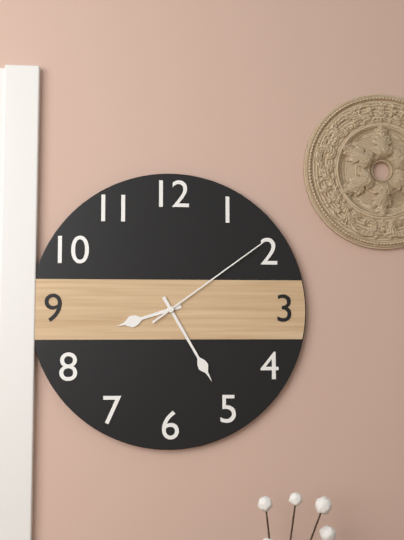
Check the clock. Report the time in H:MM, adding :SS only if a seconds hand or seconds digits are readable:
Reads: 8:25:09
